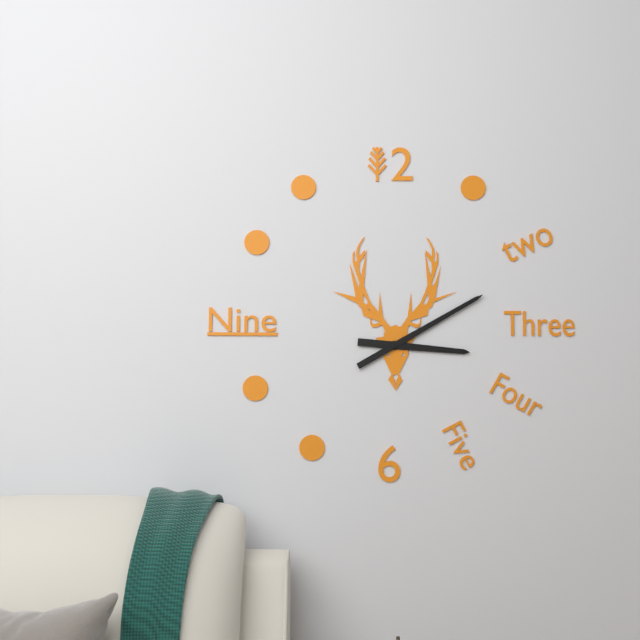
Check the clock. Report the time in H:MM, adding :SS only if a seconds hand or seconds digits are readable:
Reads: 3:10
